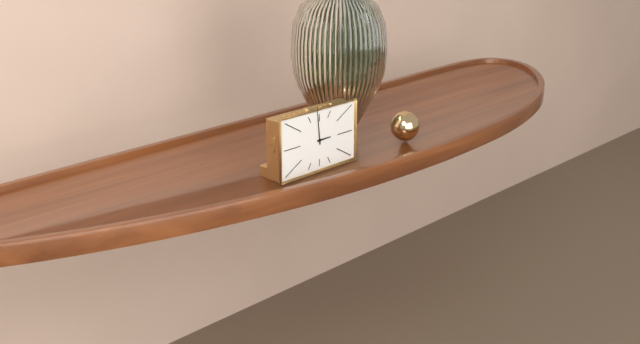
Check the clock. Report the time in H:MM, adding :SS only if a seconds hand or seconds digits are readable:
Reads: 2:59
